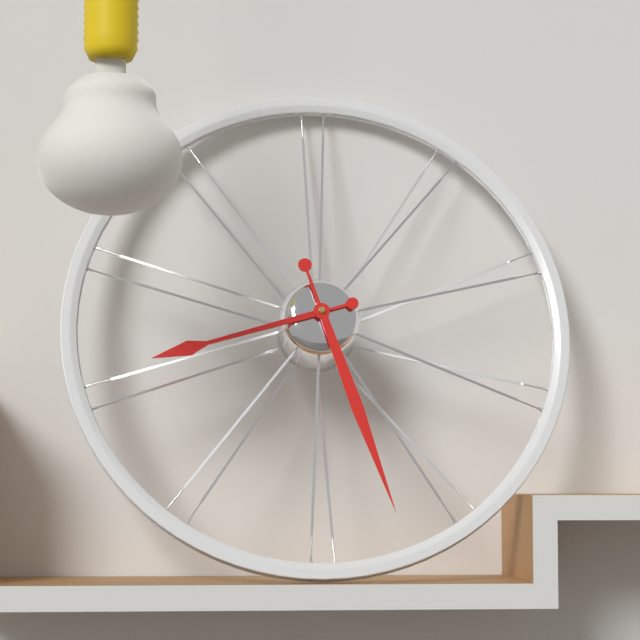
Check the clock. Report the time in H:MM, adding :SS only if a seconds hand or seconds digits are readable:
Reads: 8:27
